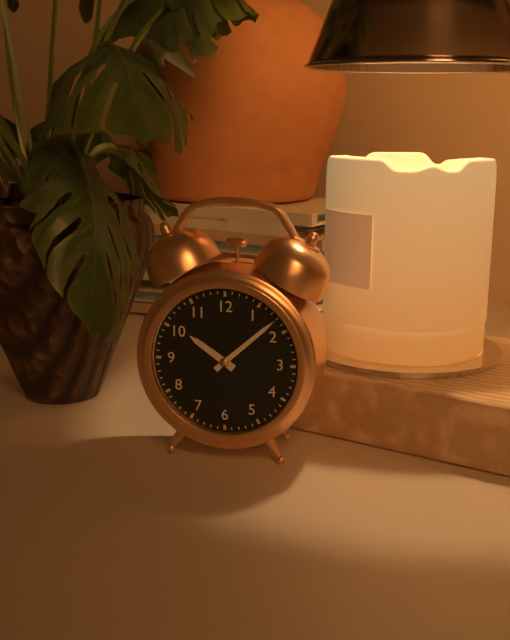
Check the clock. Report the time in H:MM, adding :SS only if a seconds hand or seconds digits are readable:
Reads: 10:08
